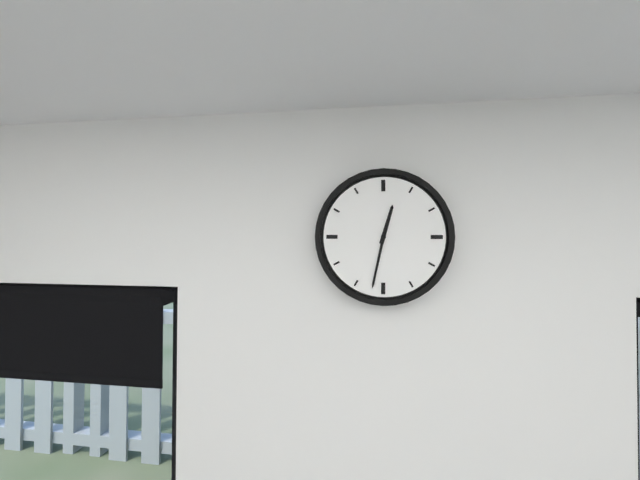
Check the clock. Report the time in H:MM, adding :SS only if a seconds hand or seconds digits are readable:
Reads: 12:32
